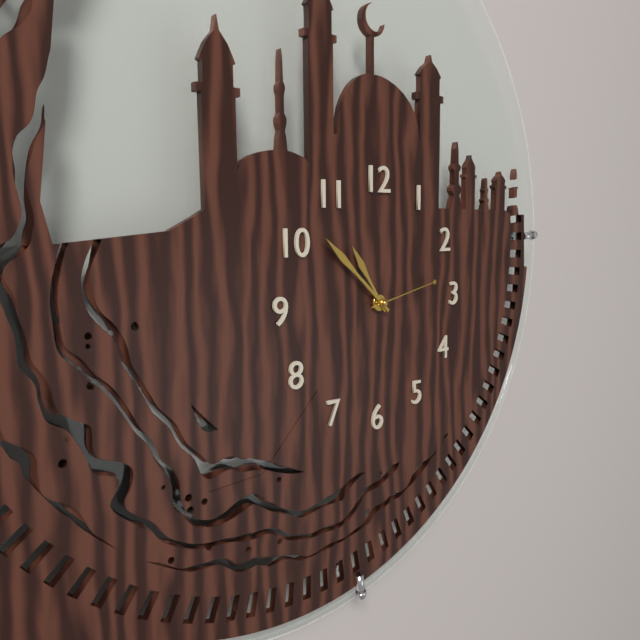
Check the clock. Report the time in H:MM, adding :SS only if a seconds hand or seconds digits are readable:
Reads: 10:52:13
